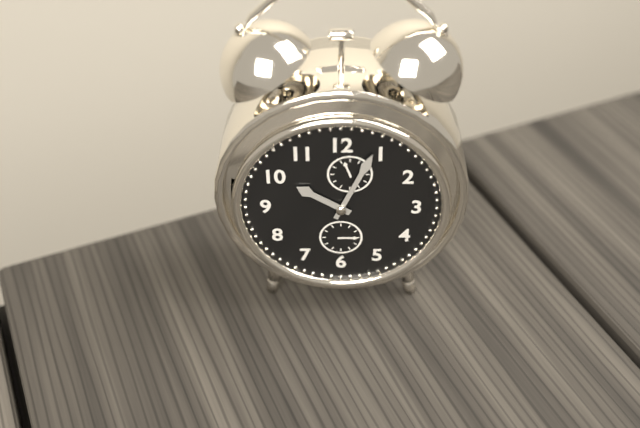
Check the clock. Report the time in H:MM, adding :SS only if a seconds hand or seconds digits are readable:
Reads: 10:04
